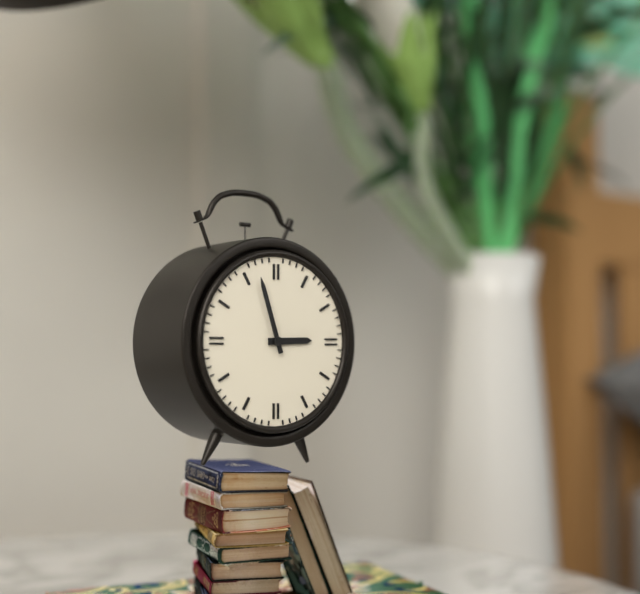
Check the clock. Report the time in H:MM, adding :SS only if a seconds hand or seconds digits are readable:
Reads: 2:57
